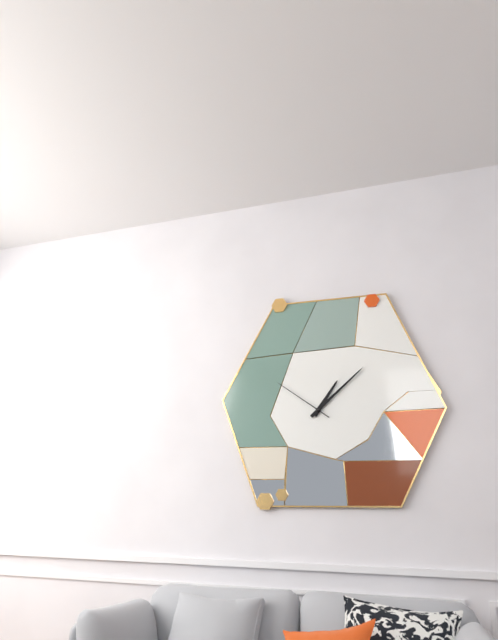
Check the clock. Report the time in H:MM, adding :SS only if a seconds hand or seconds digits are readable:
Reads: 1:08:51
